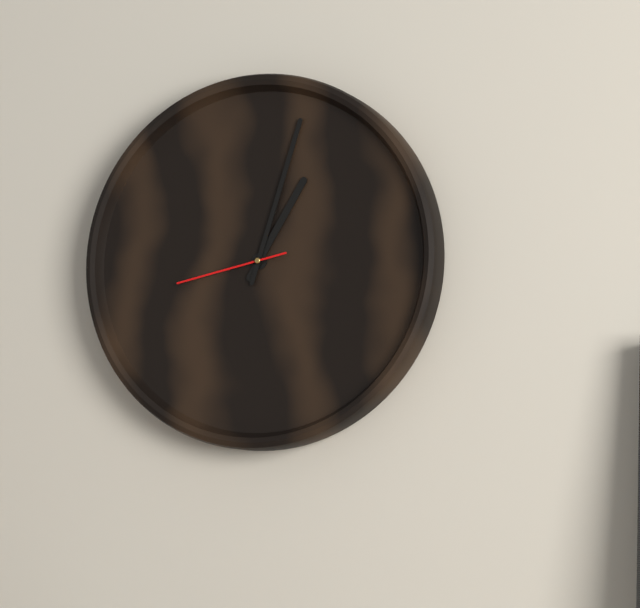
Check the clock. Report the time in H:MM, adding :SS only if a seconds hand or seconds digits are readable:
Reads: 1:03:43
